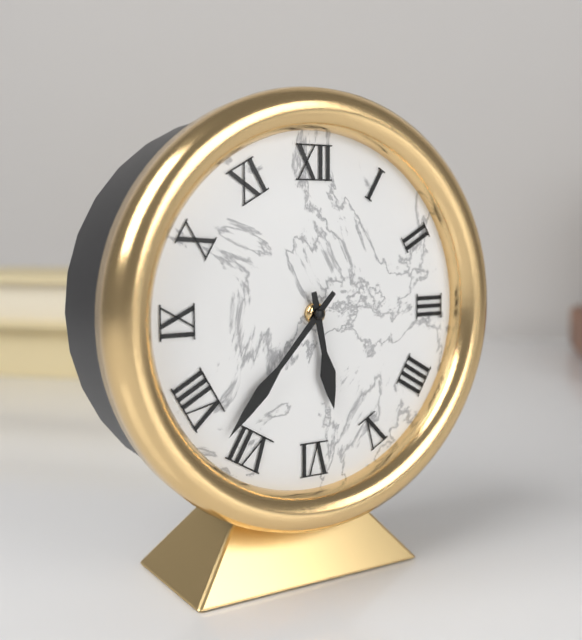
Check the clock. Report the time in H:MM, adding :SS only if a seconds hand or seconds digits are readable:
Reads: 5:37
